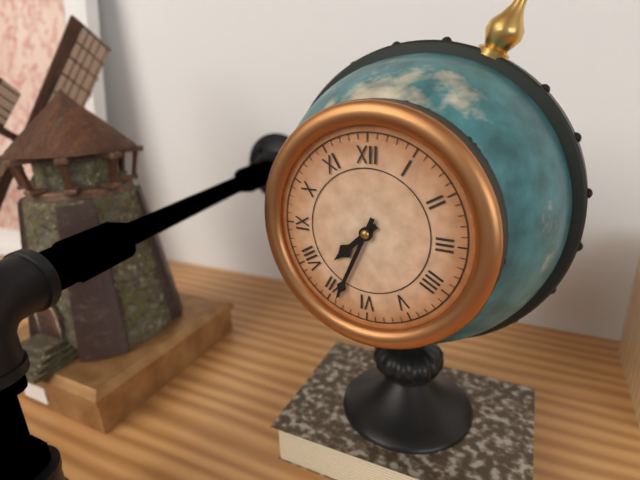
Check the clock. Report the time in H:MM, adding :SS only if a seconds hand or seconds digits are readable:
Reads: 7:34
